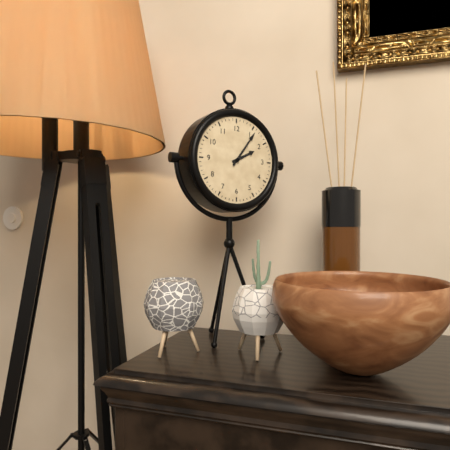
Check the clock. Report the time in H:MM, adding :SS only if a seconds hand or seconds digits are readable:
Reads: 2:06
